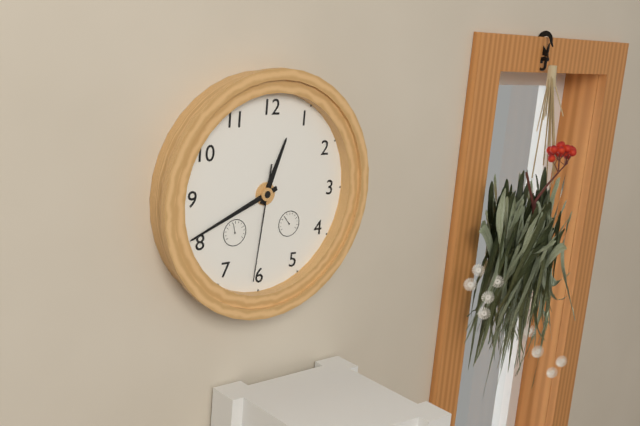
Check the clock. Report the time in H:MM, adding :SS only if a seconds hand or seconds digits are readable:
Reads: 12:41:31
